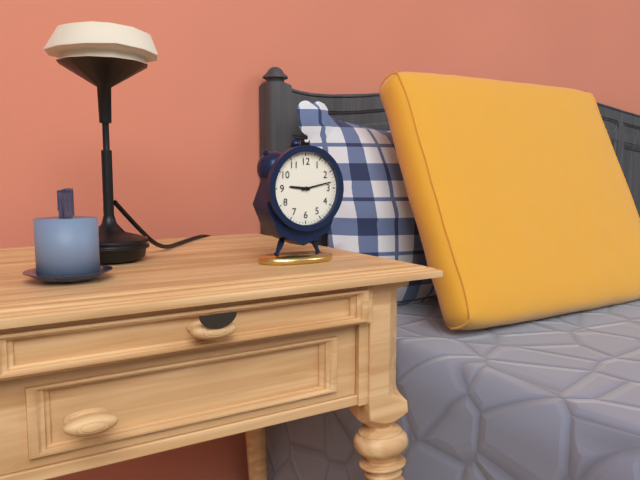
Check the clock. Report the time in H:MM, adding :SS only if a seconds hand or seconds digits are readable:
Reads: 9:13
